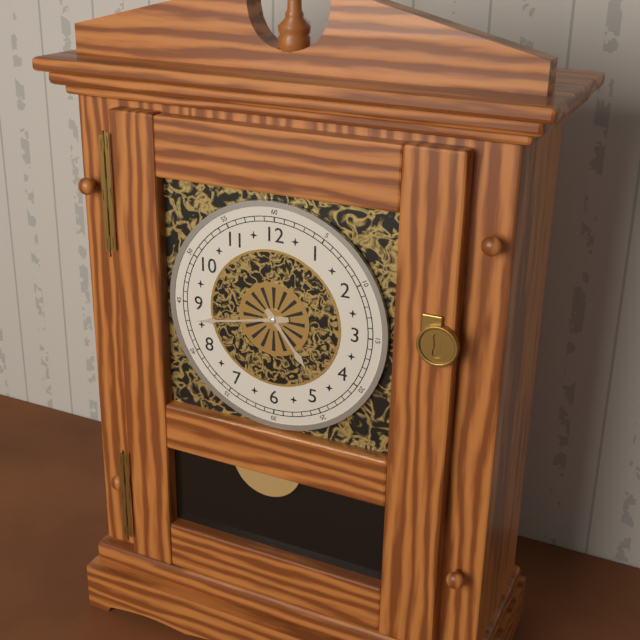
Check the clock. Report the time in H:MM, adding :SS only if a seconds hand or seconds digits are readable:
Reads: 4:43
